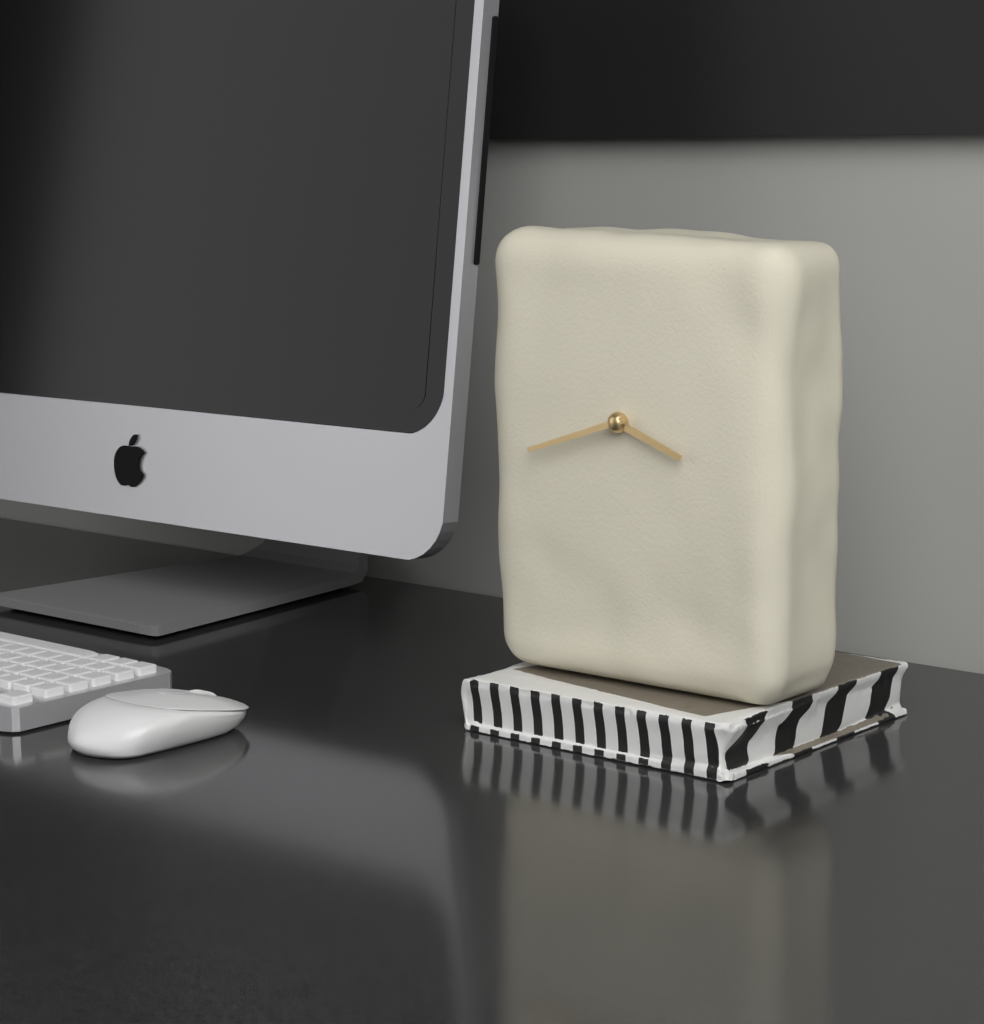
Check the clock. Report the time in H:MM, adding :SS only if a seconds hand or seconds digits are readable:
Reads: 3:42
